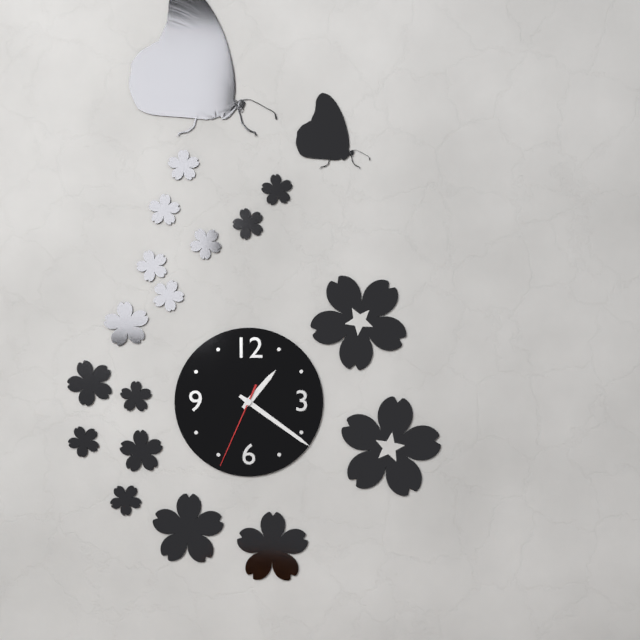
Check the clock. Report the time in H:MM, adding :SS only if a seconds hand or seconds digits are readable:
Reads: 1:21:34
